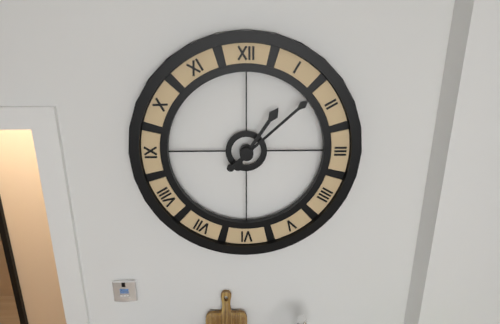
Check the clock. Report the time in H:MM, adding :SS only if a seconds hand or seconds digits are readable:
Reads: 1:08
